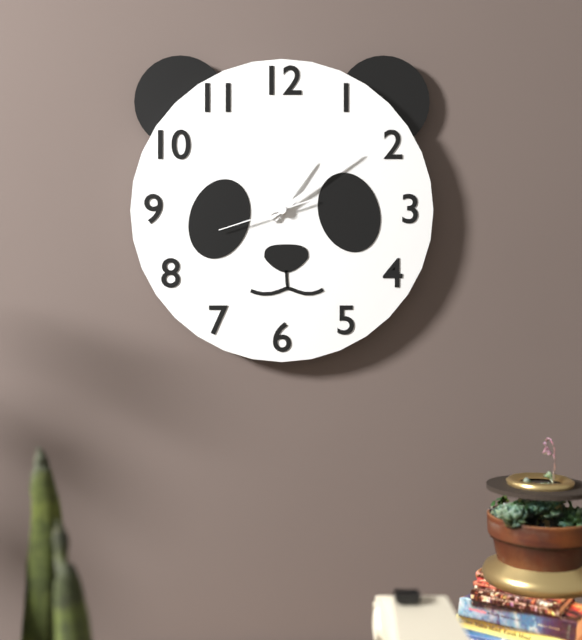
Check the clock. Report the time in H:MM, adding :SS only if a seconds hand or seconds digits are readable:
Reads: 1:09:42
